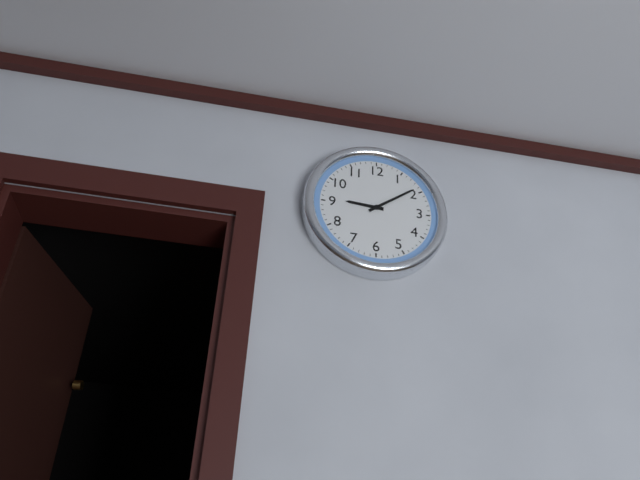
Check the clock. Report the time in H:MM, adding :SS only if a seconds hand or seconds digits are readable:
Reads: 9:09
